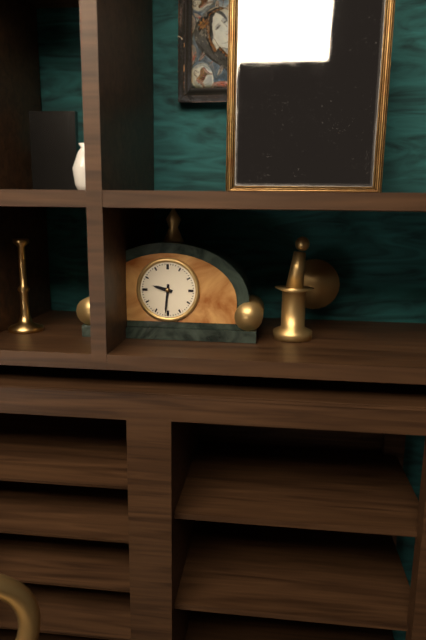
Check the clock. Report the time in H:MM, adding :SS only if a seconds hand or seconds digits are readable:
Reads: 9:31
